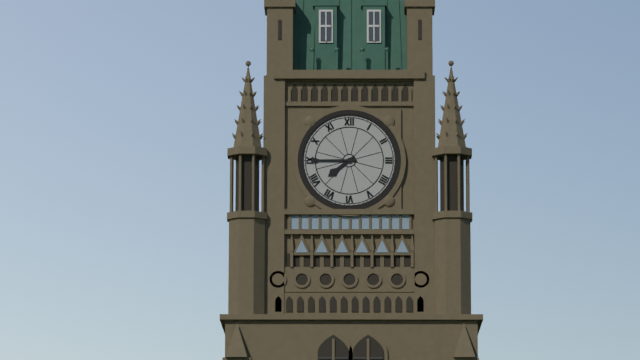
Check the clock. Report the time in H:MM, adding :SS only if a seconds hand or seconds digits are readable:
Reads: 7:45
